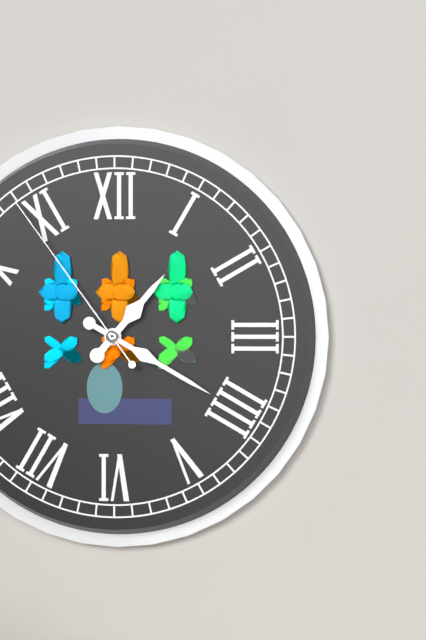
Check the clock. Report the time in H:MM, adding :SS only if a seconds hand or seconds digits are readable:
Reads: 1:20:54
